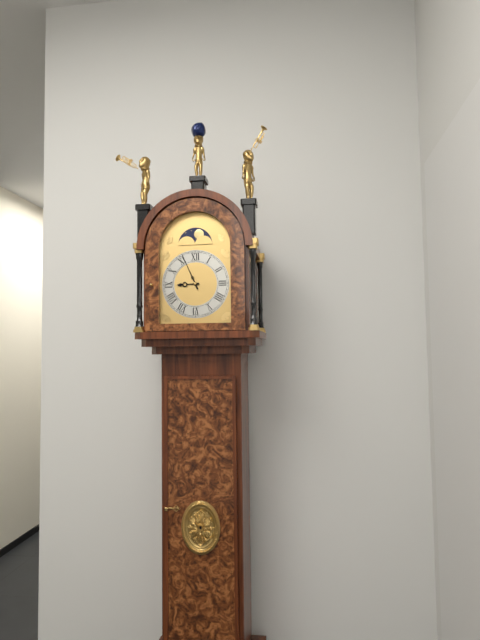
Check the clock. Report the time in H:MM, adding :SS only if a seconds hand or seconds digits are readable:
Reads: 8:56
